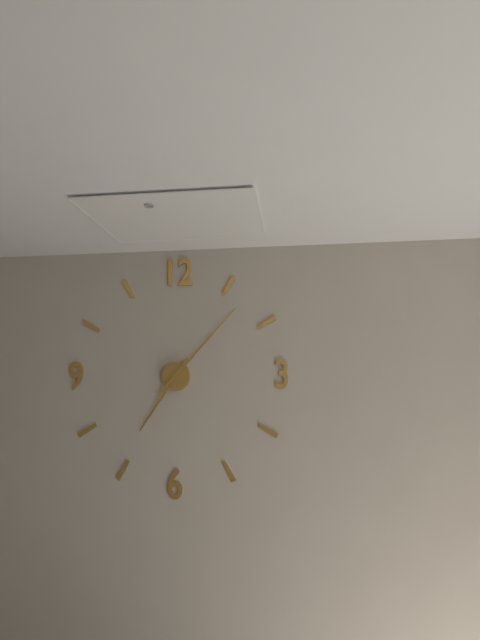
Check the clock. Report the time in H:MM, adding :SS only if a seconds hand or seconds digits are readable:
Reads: 7:07
